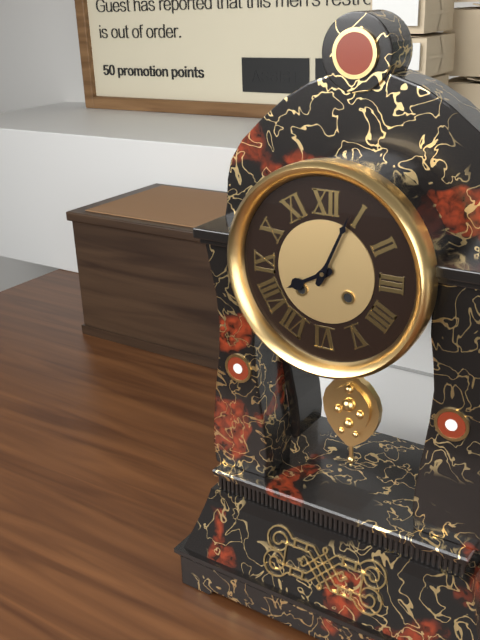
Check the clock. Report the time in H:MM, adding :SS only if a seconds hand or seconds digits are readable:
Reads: 8:04
